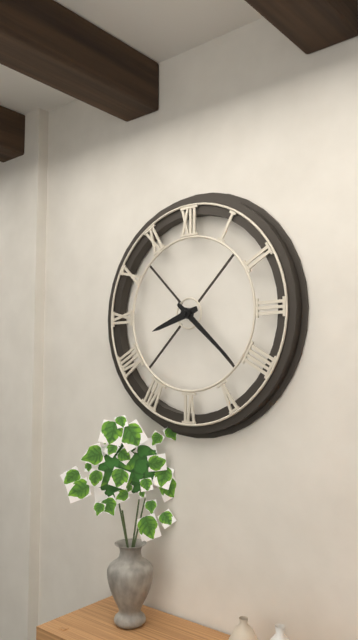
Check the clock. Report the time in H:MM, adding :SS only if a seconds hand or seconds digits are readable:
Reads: 8:22
